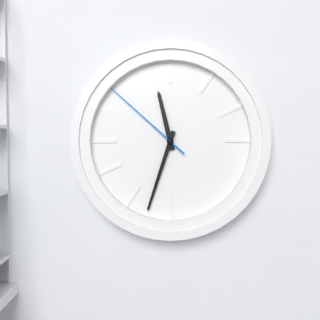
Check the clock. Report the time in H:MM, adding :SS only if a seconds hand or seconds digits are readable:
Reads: 11:33:52
